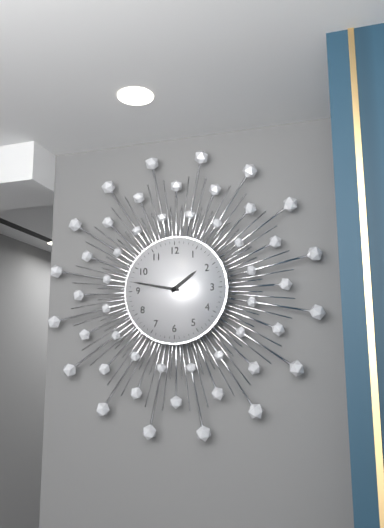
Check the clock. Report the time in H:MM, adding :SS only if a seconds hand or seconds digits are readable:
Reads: 1:47
